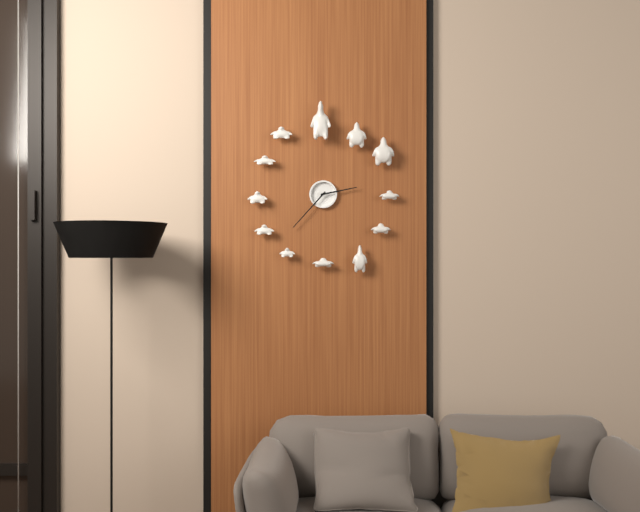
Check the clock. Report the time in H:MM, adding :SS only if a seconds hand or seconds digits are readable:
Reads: 2:37
